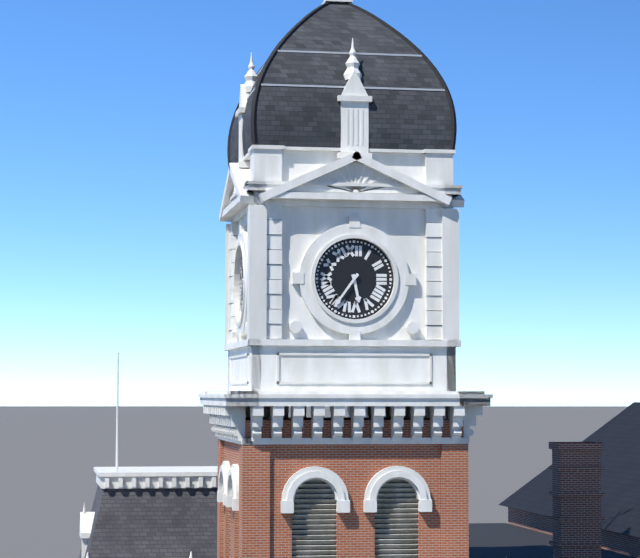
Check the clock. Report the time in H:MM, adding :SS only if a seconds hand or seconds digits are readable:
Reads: 5:36
